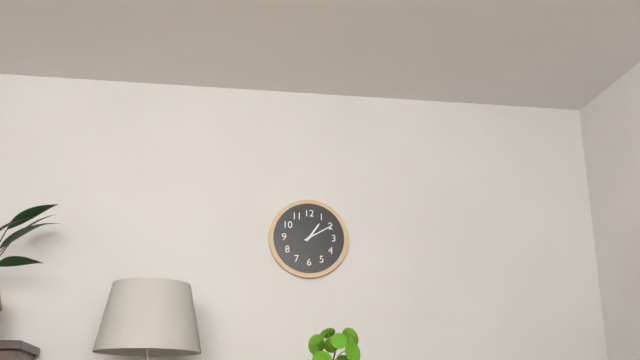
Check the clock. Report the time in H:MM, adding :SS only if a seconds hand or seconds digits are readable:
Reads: 1:10
